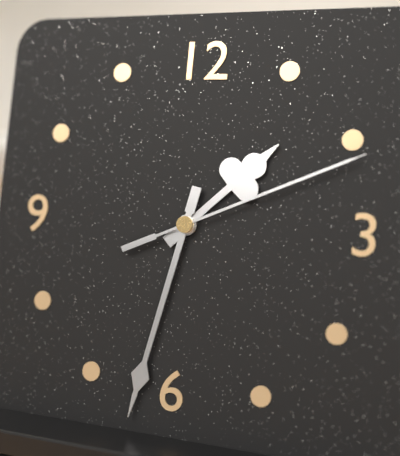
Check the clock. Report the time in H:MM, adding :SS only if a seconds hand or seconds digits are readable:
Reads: 1:32:11
